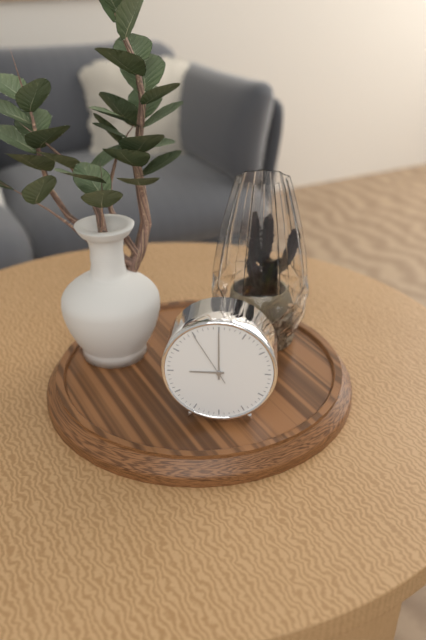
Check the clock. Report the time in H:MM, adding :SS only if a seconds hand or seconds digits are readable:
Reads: 9:00:55
